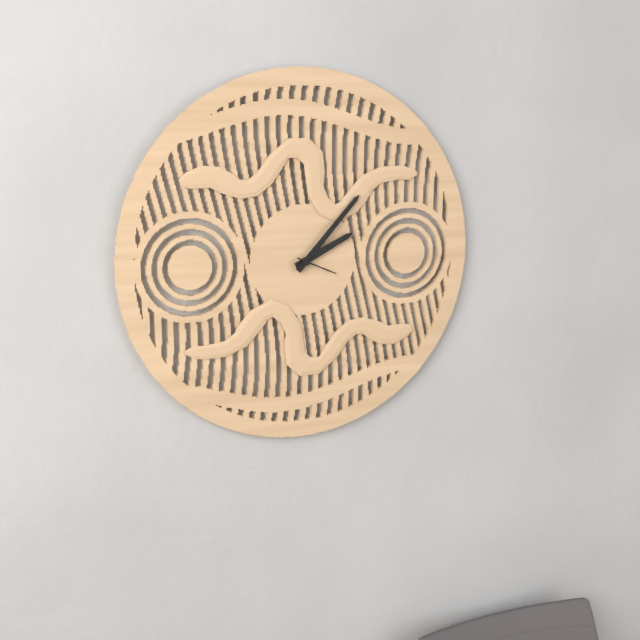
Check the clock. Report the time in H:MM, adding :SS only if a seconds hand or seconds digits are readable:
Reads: 2:07:19
